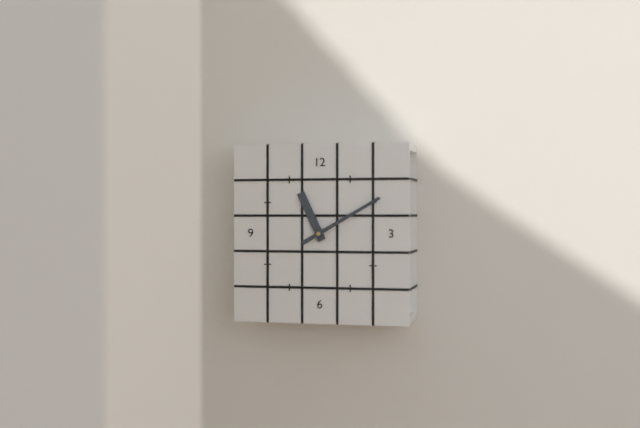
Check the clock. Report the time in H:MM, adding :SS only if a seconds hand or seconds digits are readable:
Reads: 11:10
